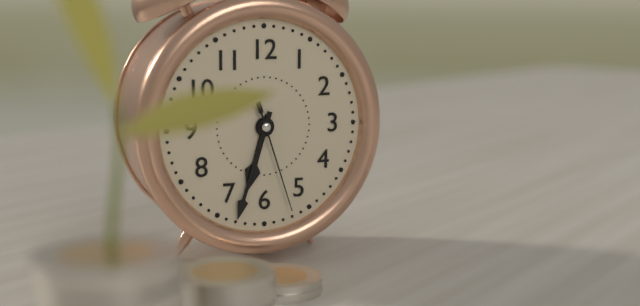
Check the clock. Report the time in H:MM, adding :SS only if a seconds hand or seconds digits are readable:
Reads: 6:33:27
